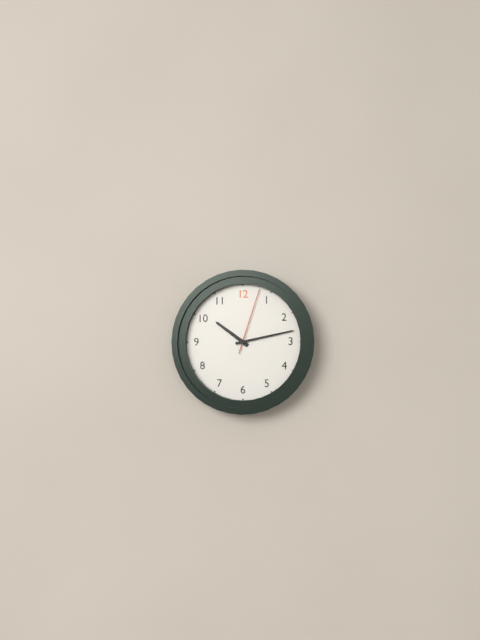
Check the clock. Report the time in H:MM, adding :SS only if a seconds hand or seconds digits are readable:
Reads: 10:13:03
